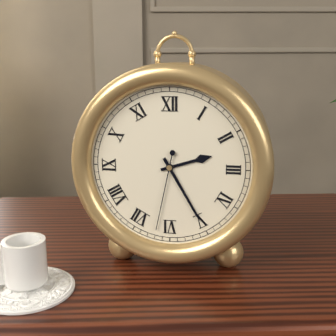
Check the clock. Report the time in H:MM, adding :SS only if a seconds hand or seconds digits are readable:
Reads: 2:25:32
